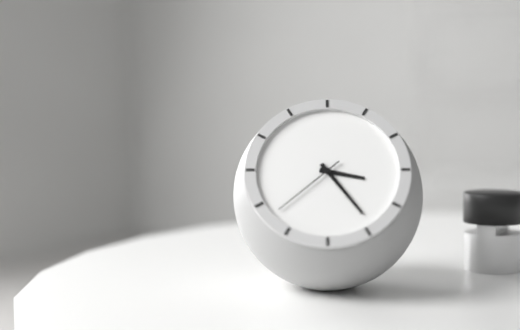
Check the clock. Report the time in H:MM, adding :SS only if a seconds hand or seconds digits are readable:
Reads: 3:24:38
